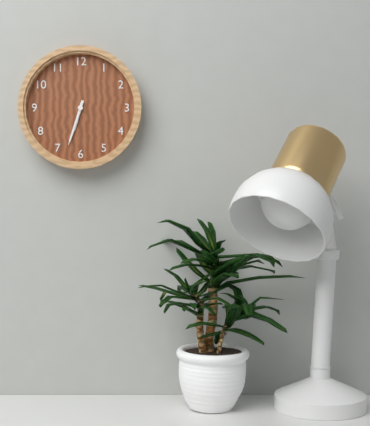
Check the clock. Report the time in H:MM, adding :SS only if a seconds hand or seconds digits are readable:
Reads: 6:33
